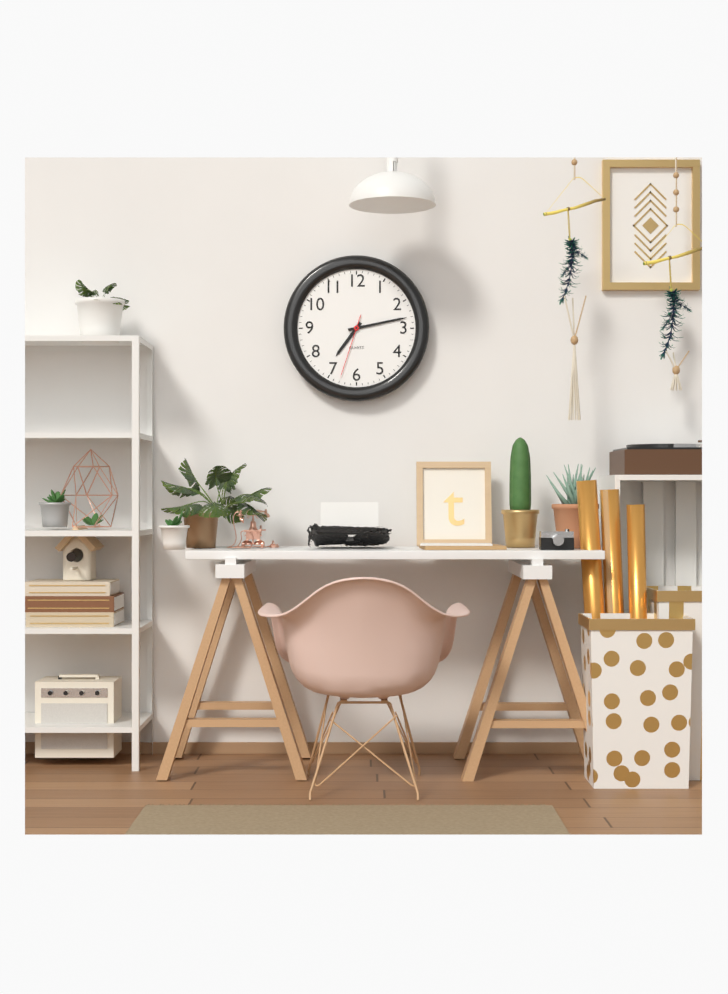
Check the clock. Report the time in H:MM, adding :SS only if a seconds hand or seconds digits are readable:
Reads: 7:13:33
